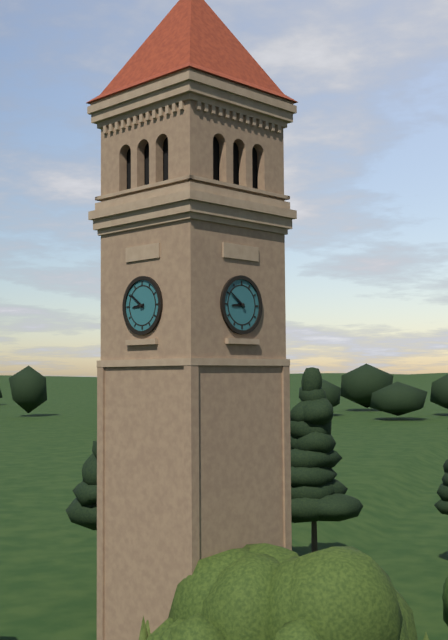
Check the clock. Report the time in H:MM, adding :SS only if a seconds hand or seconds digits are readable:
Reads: 8:51
